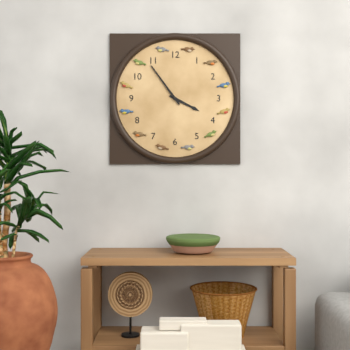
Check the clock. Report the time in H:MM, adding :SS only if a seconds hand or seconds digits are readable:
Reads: 3:54
